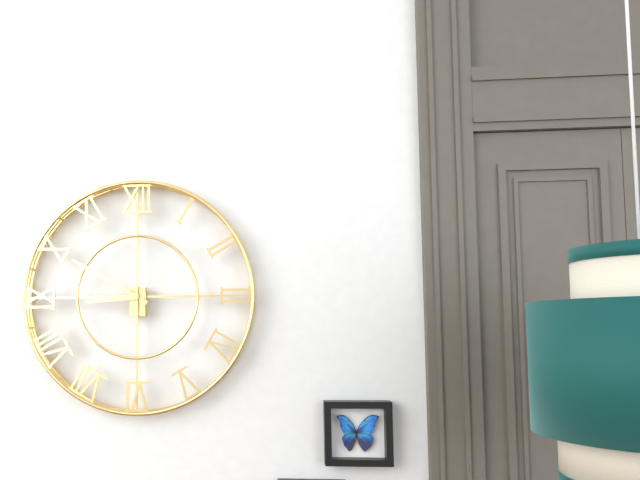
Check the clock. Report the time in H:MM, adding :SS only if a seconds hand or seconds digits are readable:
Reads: 8:50
